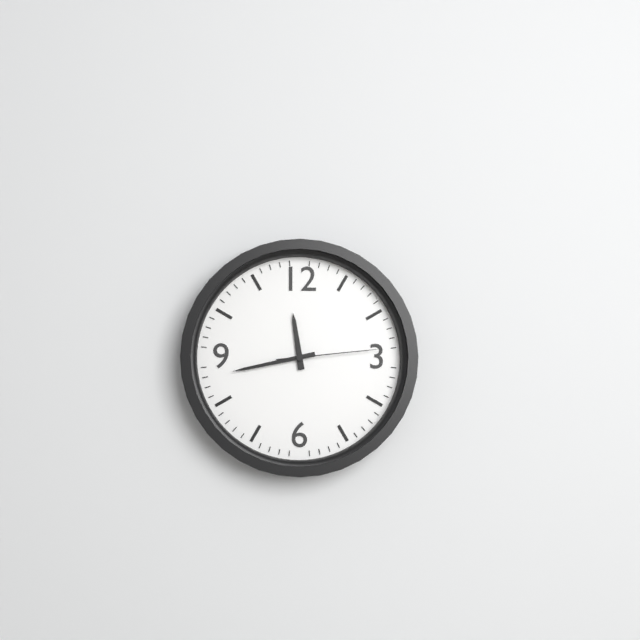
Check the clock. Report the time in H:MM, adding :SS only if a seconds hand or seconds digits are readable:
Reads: 11:43:14
